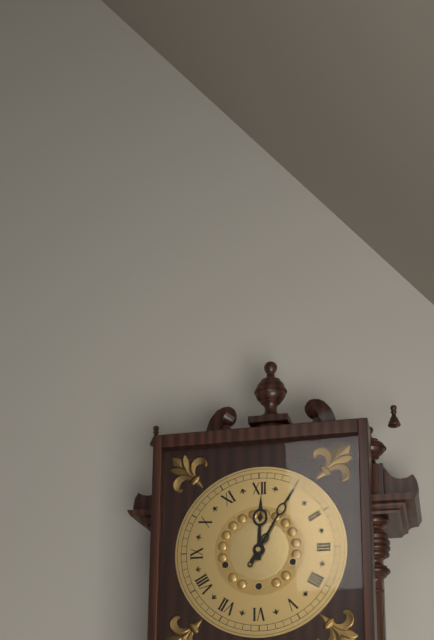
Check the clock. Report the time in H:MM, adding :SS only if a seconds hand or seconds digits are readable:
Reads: 12:05
